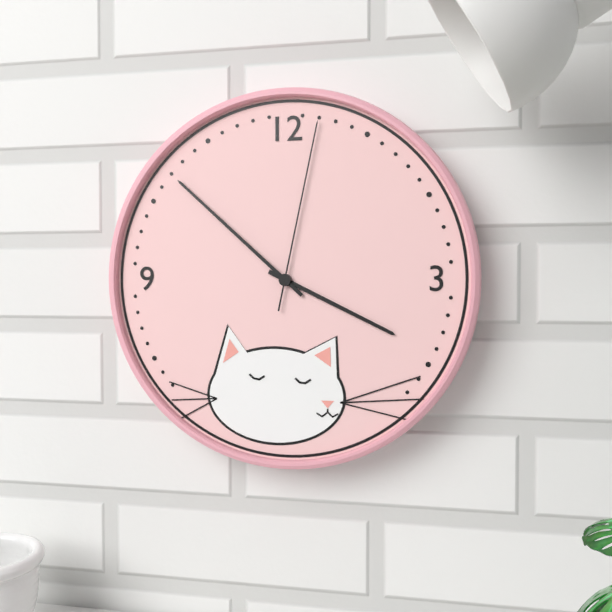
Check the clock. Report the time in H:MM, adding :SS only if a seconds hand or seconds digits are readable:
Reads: 3:52:02
